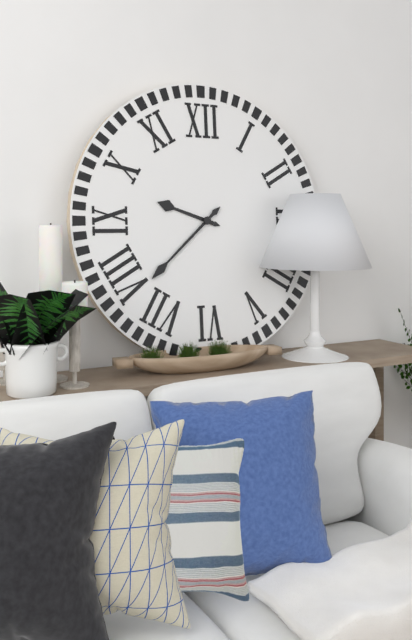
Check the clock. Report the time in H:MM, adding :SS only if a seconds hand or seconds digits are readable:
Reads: 9:38
